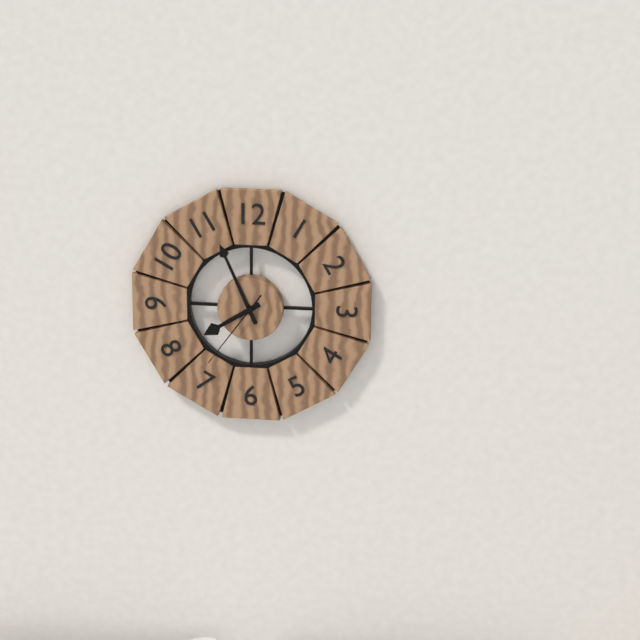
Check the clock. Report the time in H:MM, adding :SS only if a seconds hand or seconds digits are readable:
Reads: 7:56:36
